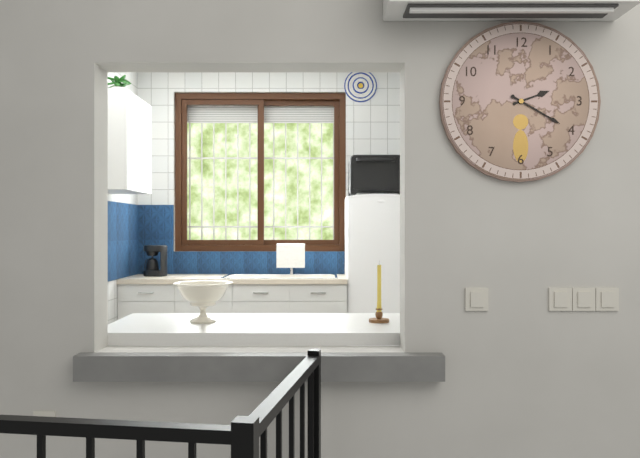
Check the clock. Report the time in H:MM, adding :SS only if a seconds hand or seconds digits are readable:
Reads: 2:20
